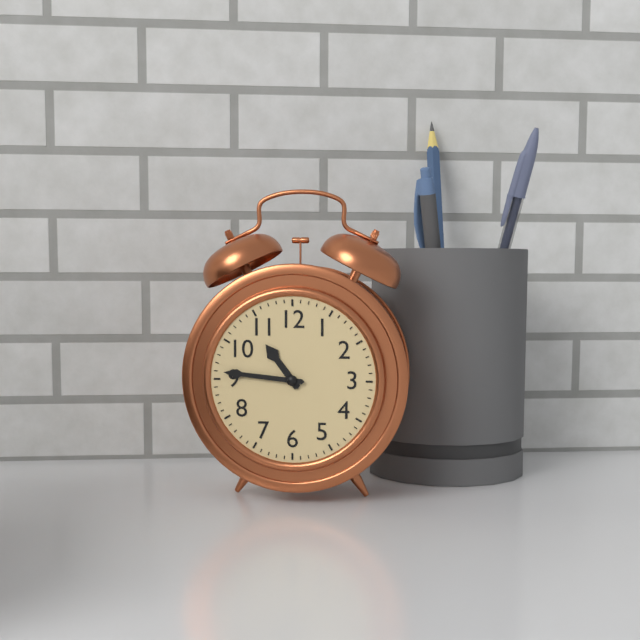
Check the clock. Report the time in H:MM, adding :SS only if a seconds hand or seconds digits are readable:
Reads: 10:46
